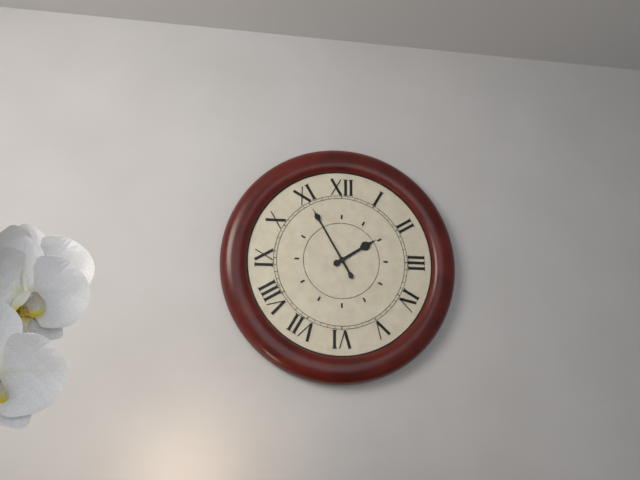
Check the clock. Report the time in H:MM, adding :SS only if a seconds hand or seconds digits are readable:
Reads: 1:55
